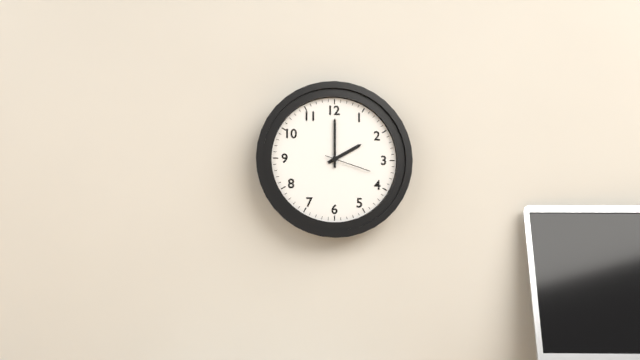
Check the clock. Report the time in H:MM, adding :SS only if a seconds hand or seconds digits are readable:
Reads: 2:00
